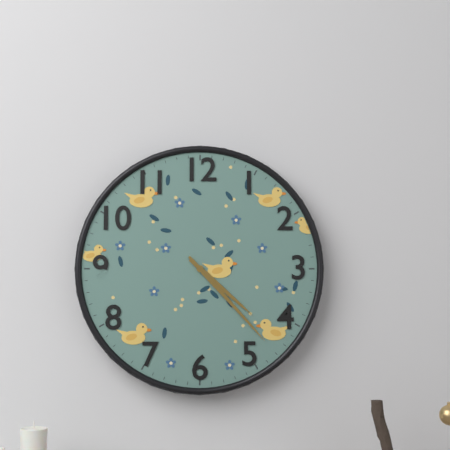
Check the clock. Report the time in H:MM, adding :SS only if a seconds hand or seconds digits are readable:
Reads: 4:23
